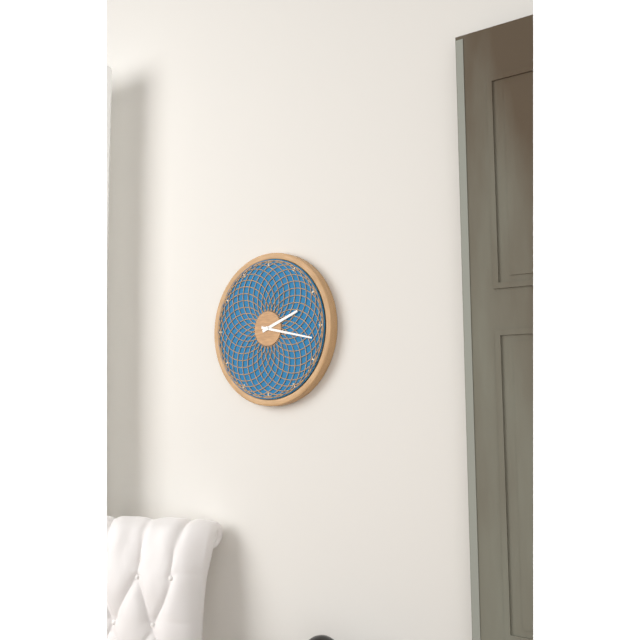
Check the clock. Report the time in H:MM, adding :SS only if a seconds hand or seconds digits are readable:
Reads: 2:17
